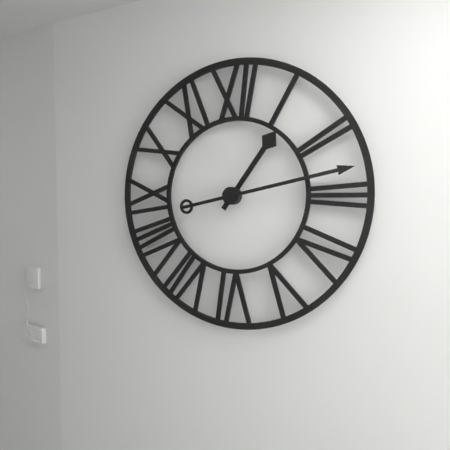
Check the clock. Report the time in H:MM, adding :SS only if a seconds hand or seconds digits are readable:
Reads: 1:13
